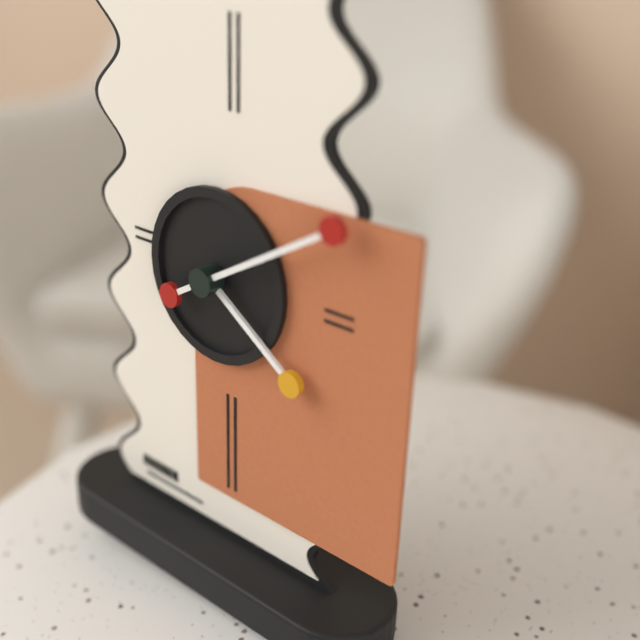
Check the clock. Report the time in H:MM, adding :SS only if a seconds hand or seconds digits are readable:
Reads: 4:10
